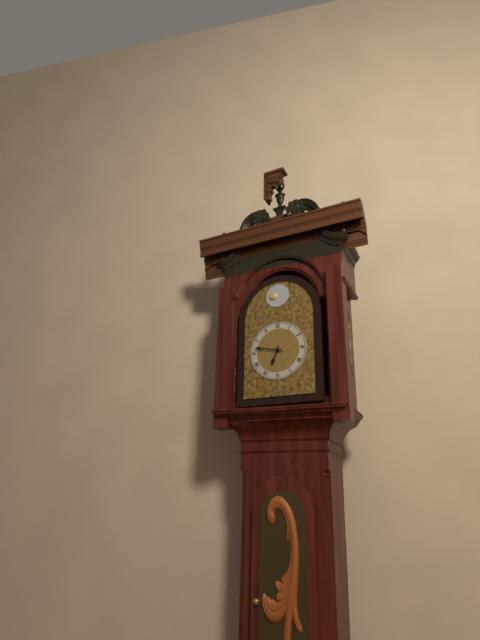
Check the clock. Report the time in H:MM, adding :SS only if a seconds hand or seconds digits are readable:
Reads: 6:47
